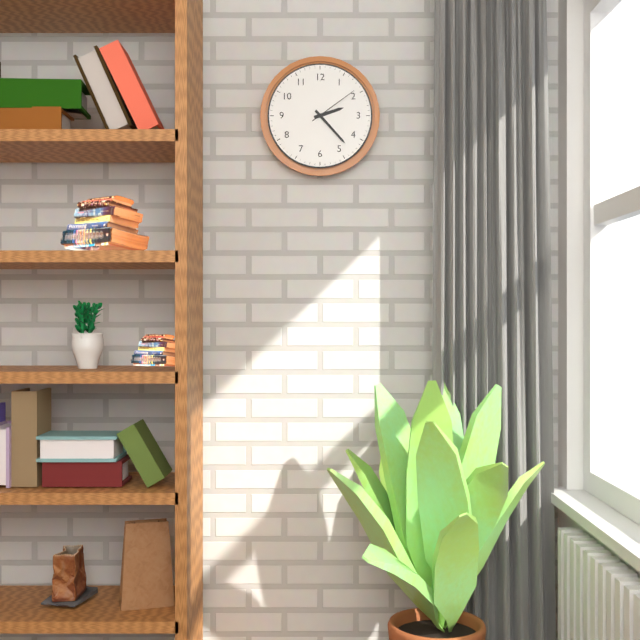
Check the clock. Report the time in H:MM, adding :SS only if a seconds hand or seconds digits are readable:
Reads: 2:23:09
